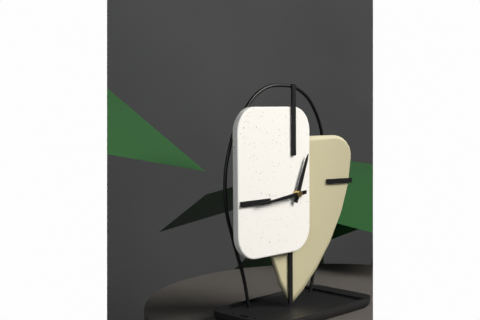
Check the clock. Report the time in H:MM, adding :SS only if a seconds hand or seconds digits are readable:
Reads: 12:44
